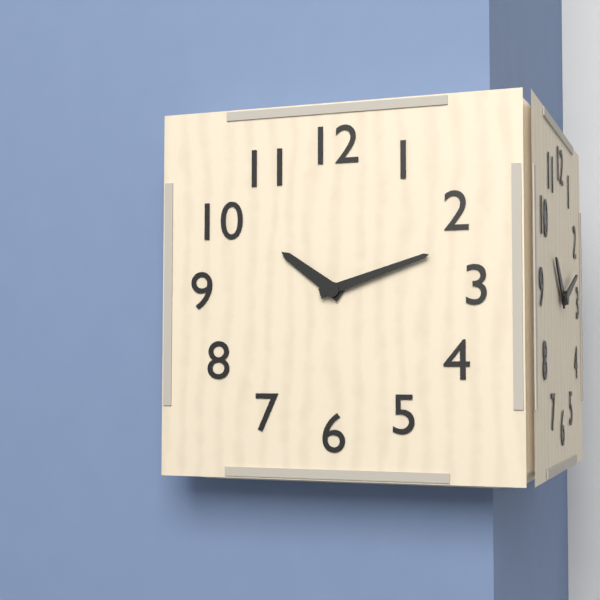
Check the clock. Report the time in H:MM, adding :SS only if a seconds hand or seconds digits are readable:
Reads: 10:12
